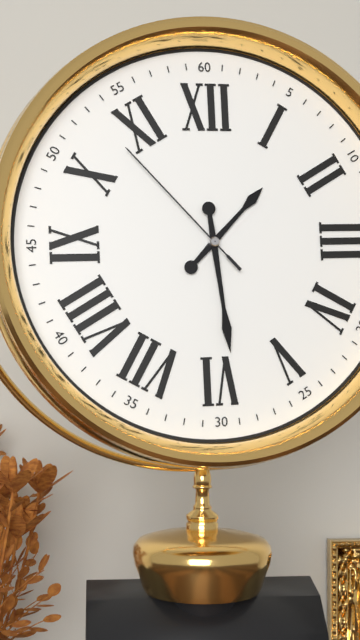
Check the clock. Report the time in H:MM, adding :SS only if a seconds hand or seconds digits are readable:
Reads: 1:29:53
